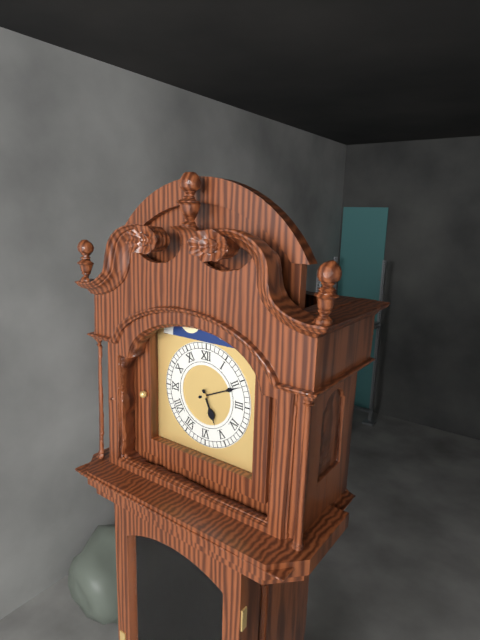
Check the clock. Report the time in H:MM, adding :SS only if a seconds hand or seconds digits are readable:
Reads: 5:11
